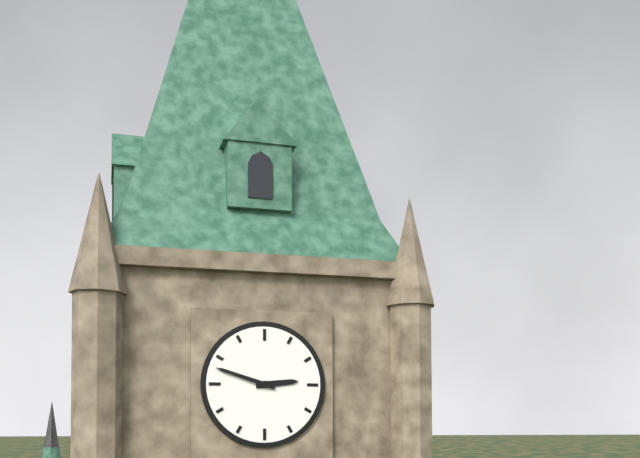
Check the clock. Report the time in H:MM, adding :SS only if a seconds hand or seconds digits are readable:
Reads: 2:48
